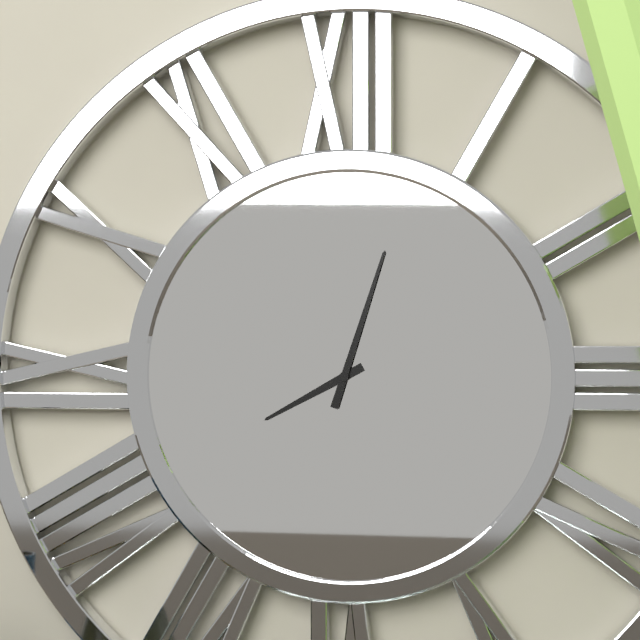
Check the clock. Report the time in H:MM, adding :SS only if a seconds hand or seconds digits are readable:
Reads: 8:03
